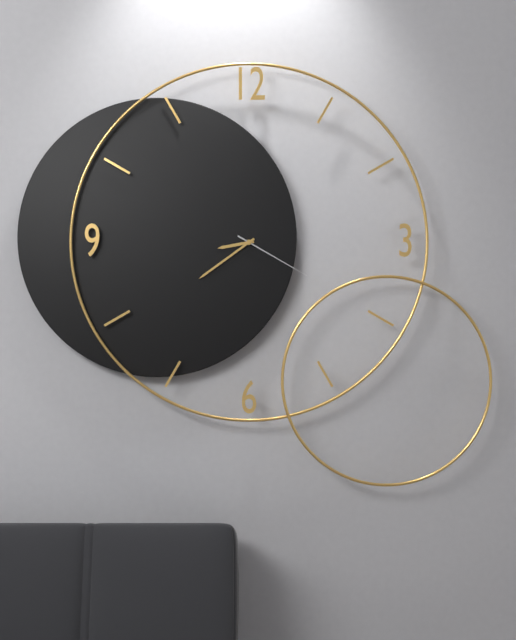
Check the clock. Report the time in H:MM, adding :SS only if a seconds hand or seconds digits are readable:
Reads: 8:39:20
